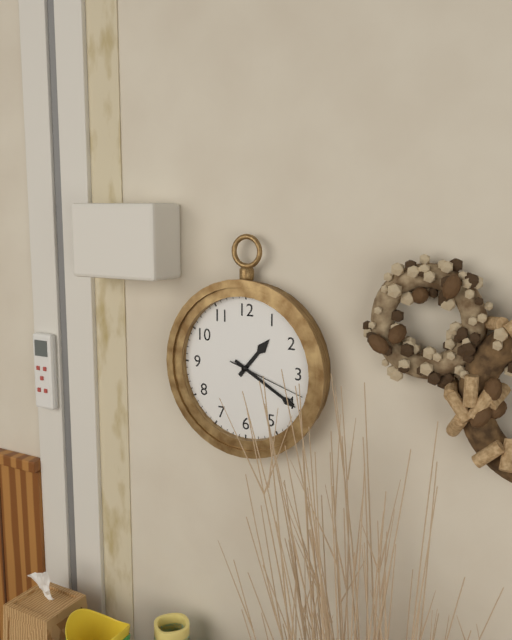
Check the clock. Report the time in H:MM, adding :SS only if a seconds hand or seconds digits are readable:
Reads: 1:20:18
